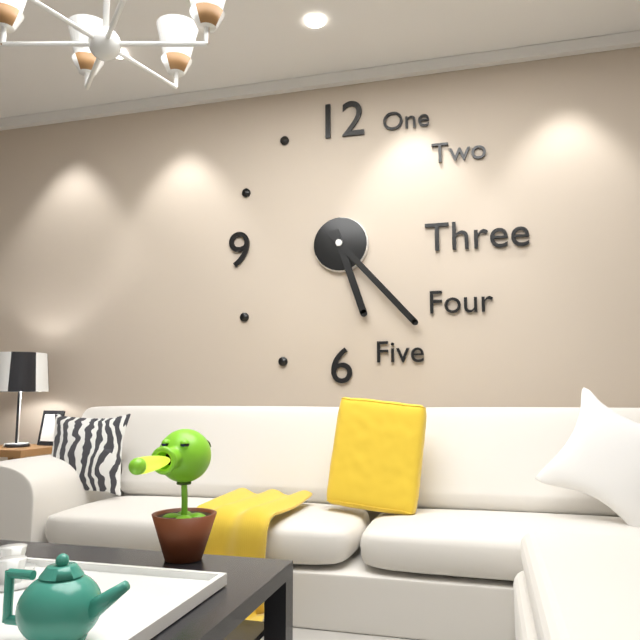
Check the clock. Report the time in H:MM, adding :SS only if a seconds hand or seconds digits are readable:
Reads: 5:23
